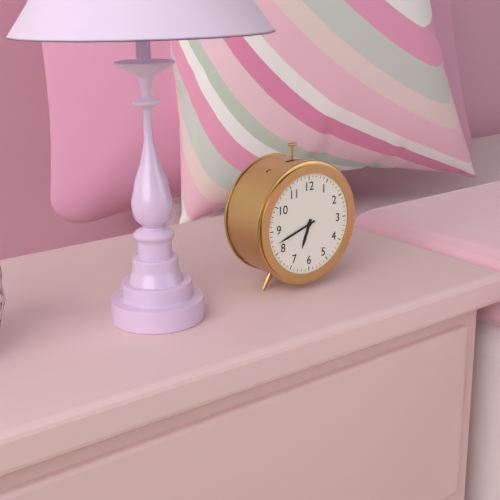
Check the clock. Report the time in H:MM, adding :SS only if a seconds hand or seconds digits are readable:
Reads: 6:42
